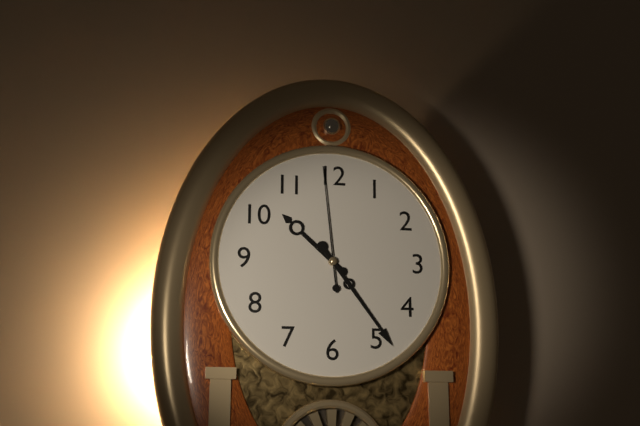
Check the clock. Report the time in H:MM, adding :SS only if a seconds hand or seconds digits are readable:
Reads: 10:24:59
